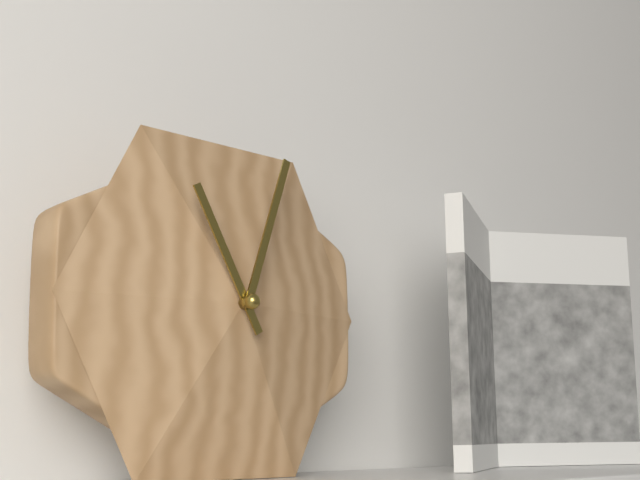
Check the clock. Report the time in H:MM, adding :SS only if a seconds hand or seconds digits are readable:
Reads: 11:03
